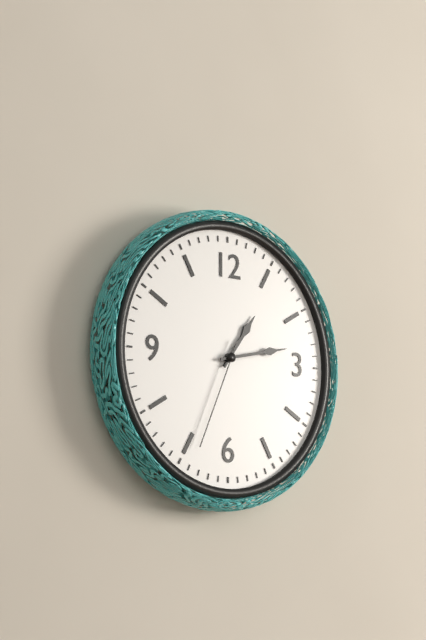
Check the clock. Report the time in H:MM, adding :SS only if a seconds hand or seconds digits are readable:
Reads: 1:13:34
